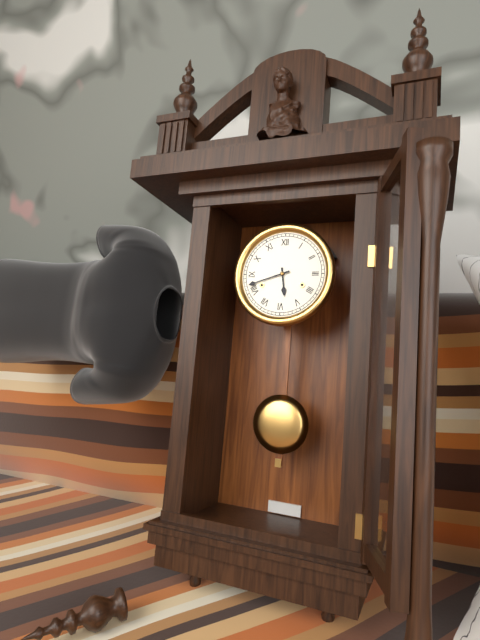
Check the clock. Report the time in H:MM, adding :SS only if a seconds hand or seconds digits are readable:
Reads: 5:42
